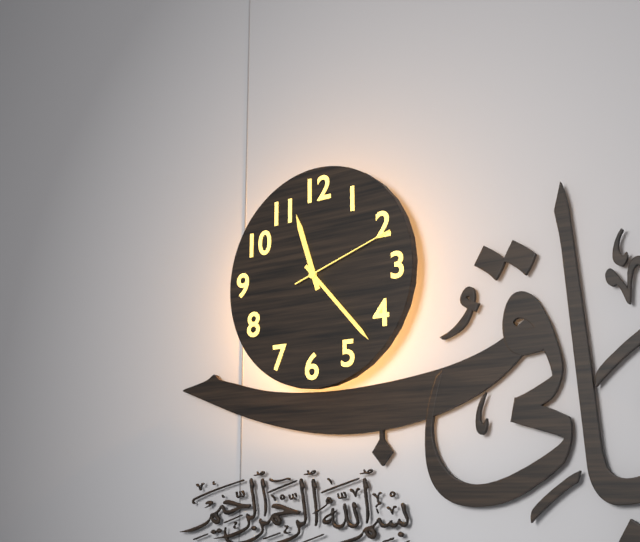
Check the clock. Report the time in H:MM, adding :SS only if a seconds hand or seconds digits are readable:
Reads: 11:23:12
